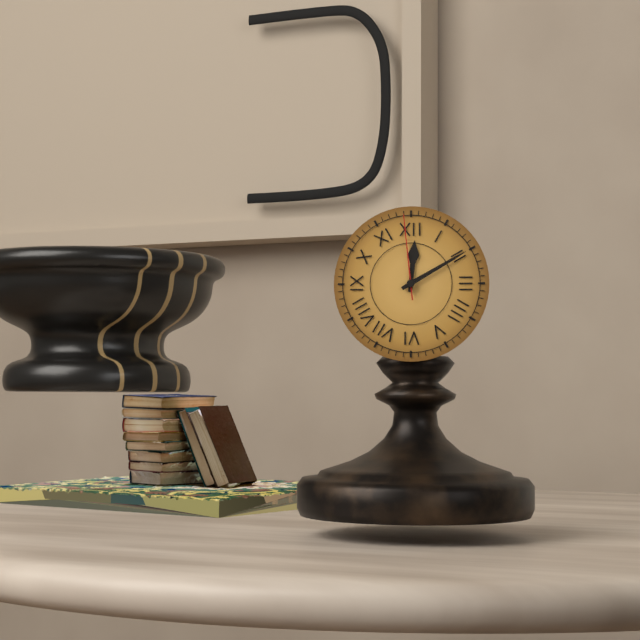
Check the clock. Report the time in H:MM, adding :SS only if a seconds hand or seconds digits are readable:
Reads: 12:10:59
